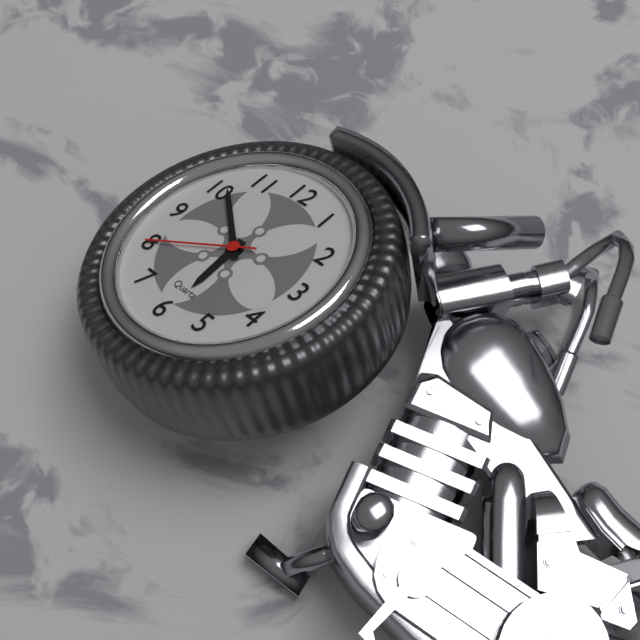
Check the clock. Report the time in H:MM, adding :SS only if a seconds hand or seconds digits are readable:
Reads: 5:51:40
